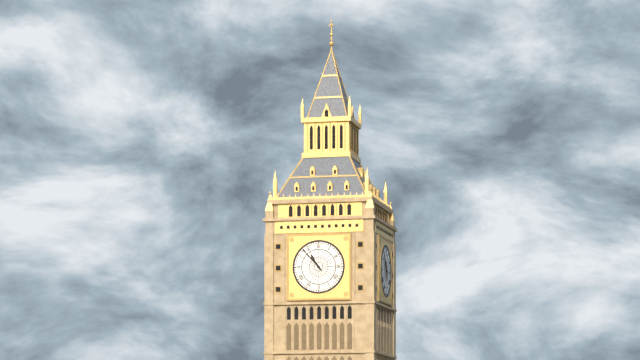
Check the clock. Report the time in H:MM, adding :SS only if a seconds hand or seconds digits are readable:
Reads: 10:53
